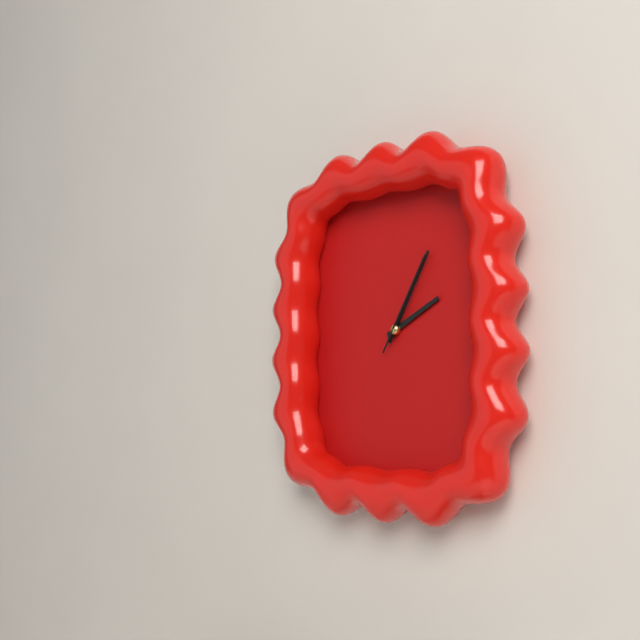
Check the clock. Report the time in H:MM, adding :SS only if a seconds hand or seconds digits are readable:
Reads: 2:05:05
